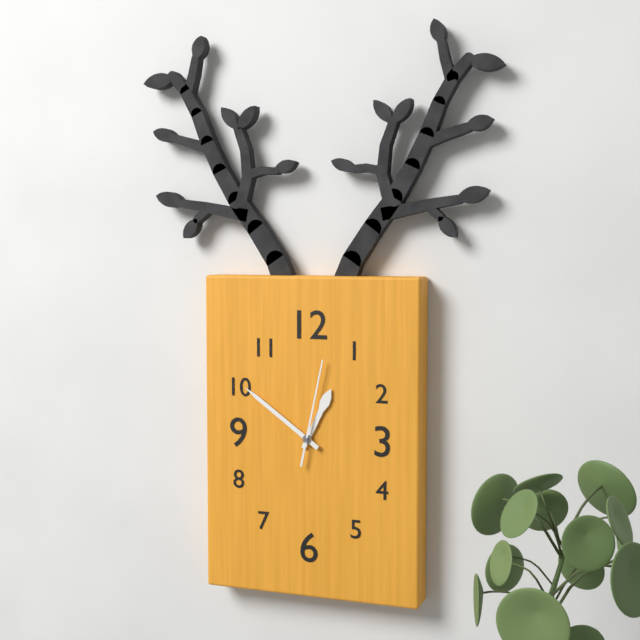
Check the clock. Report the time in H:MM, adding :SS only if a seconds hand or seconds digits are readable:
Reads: 12:51:02
